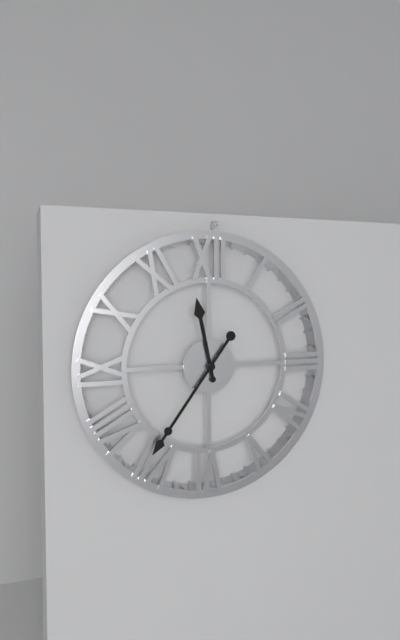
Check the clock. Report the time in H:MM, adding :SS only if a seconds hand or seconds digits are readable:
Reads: 11:36
